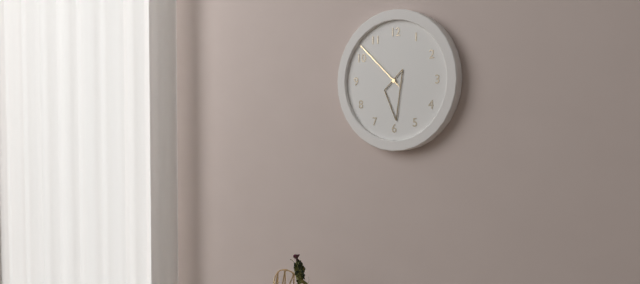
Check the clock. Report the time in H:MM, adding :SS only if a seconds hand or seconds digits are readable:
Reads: 5:52
